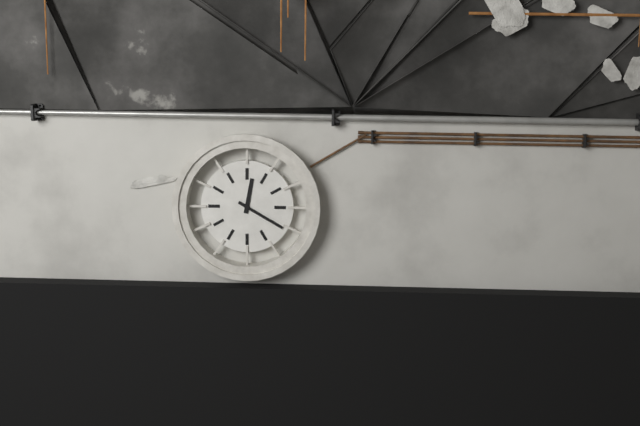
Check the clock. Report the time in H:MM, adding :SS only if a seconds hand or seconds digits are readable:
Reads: 12:20
